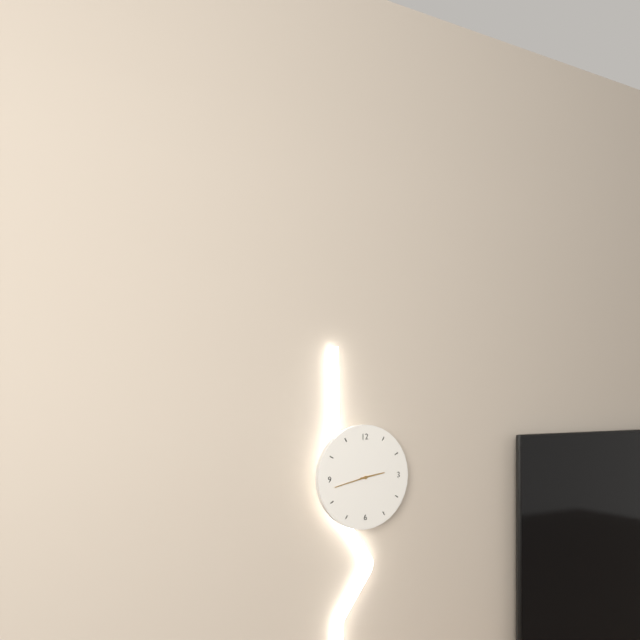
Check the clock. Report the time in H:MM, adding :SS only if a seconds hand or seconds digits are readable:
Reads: 2:43
